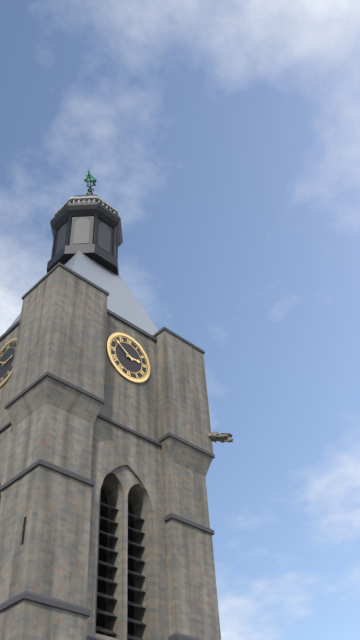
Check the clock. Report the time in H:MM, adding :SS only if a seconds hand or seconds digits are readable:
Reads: 2:51
